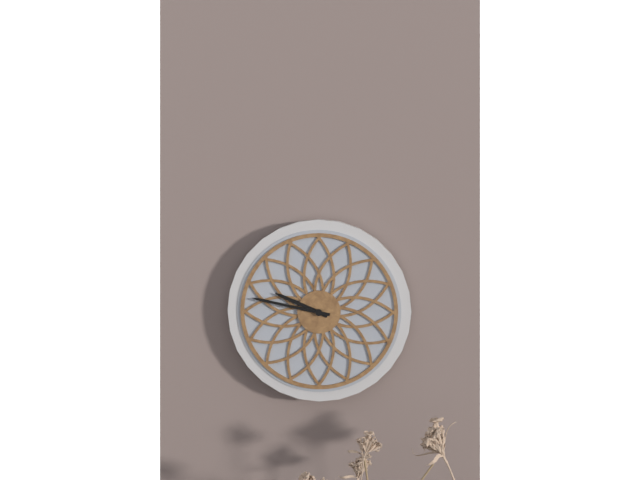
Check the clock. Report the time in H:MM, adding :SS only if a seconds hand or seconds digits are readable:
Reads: 9:47
